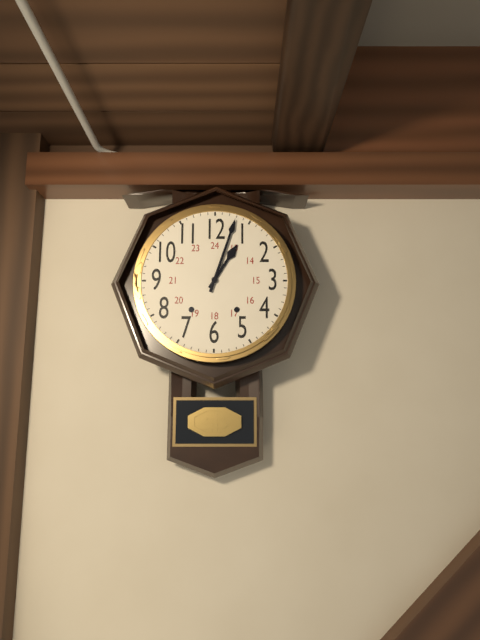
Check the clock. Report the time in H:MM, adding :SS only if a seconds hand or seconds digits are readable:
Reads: 1:03
